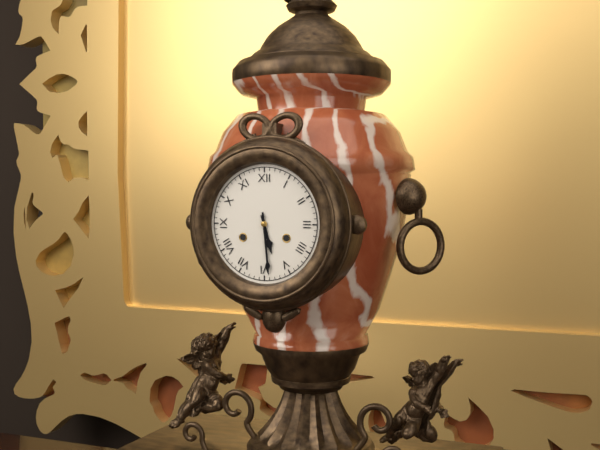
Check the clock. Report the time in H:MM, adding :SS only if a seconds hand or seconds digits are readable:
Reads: 5:29
